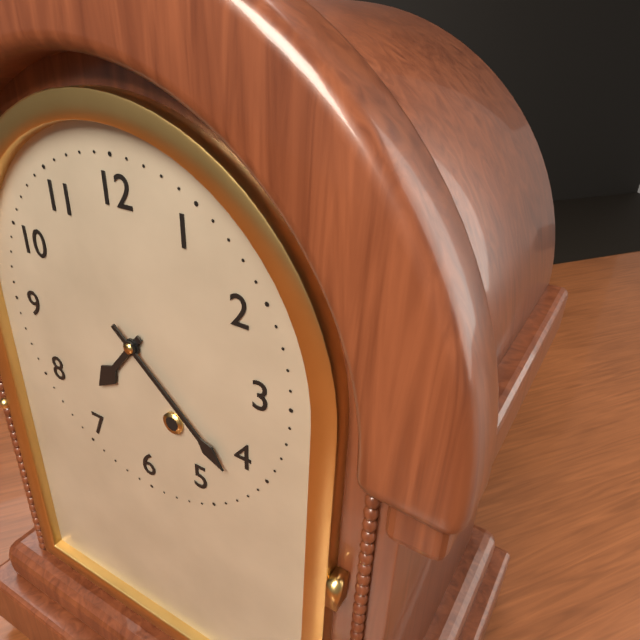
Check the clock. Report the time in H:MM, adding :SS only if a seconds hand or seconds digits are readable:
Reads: 7:22
